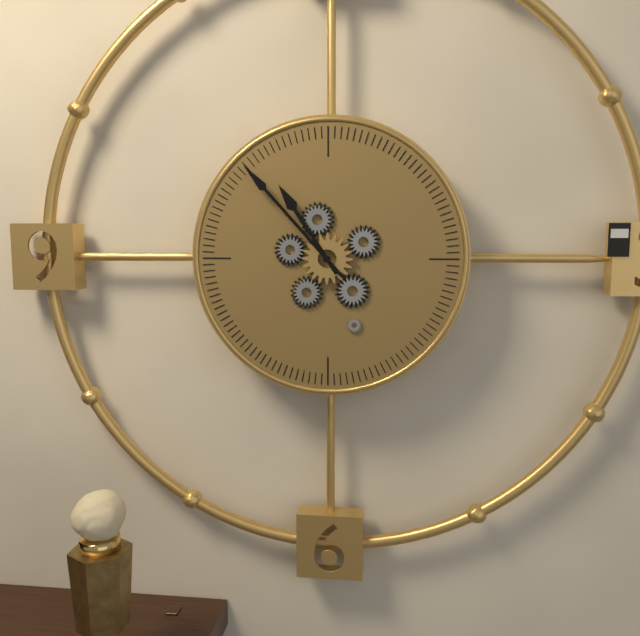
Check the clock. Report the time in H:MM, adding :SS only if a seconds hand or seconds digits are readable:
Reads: 10:53
